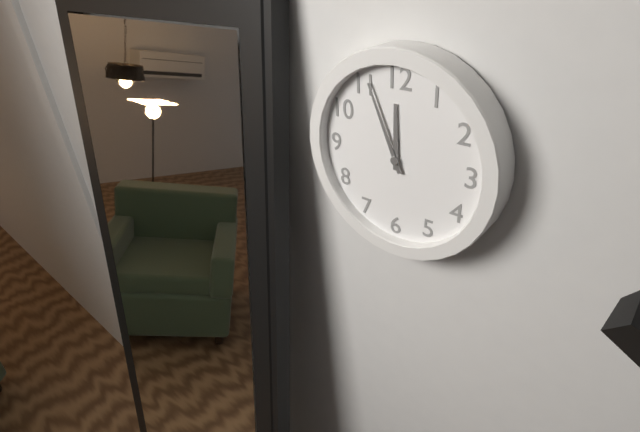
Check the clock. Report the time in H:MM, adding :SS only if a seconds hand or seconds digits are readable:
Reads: 11:56
